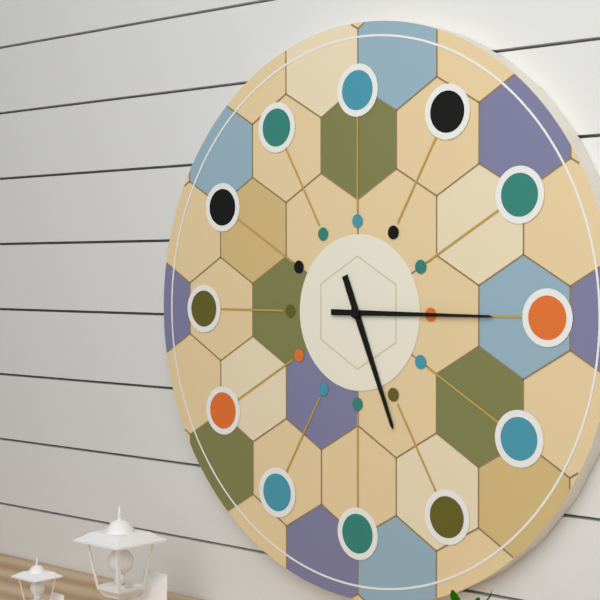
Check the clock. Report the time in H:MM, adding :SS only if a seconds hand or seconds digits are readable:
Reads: 5:15
